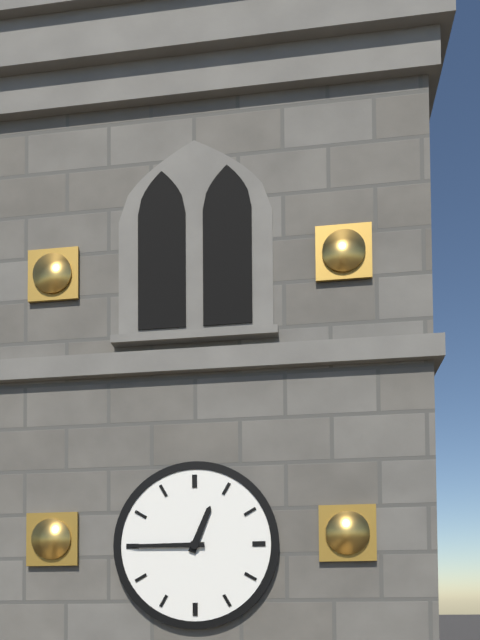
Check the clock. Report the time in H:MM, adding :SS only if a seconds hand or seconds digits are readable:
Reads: 12:45
